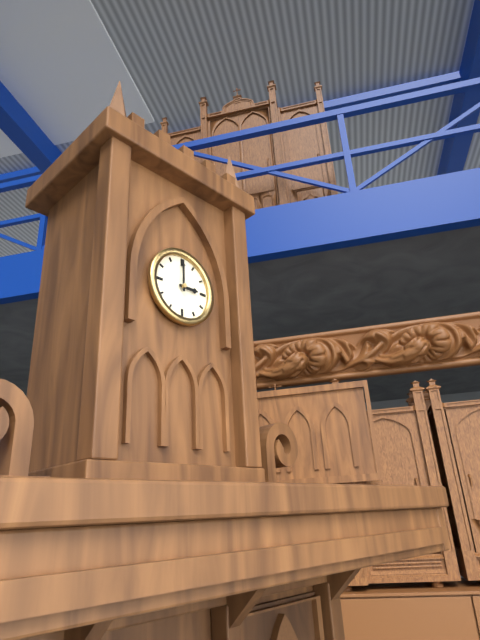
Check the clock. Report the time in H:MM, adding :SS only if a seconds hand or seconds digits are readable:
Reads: 3:00
